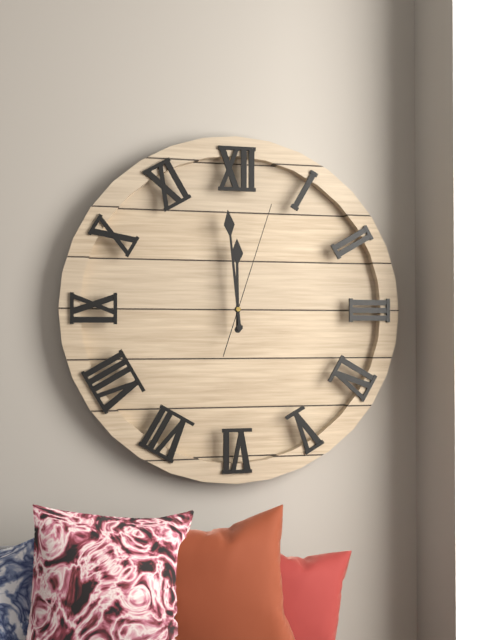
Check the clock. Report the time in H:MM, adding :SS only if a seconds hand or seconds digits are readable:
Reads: 11:59:03
